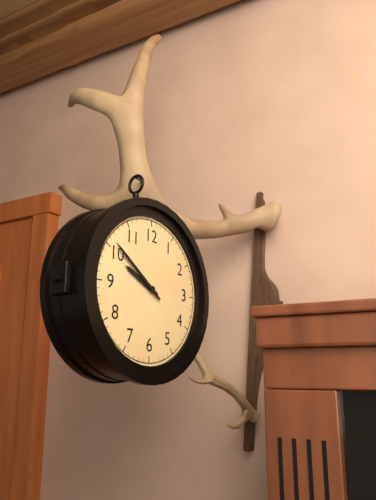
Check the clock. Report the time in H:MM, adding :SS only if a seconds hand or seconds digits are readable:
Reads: 9:51
